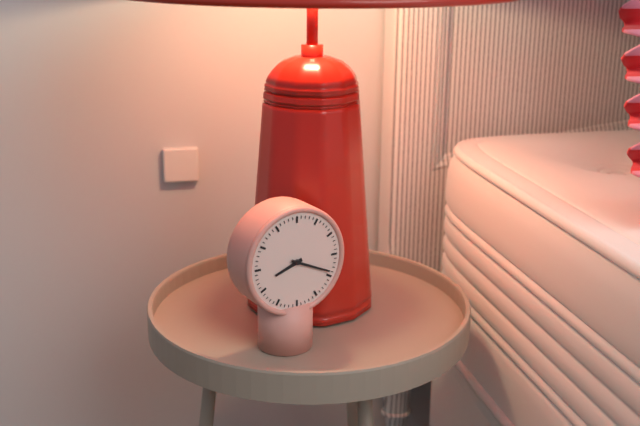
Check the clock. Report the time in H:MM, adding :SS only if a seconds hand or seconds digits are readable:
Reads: 8:19
